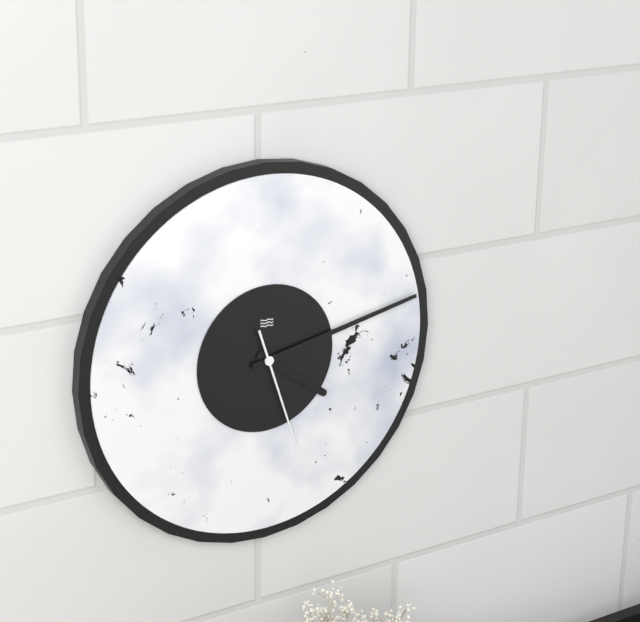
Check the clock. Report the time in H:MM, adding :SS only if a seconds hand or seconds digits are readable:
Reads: 4:13:27
